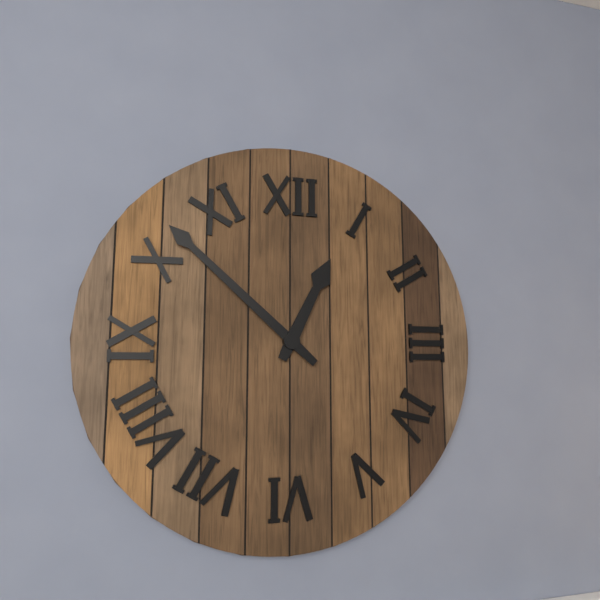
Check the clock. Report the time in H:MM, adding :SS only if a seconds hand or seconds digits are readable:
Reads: 12:52
